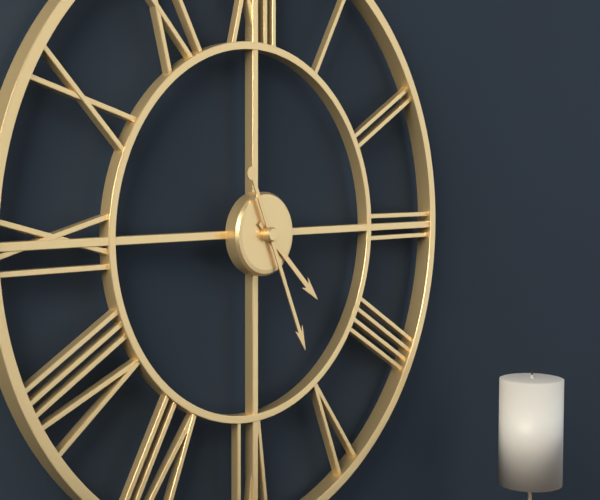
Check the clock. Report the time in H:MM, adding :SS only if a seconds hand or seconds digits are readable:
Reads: 4:26
